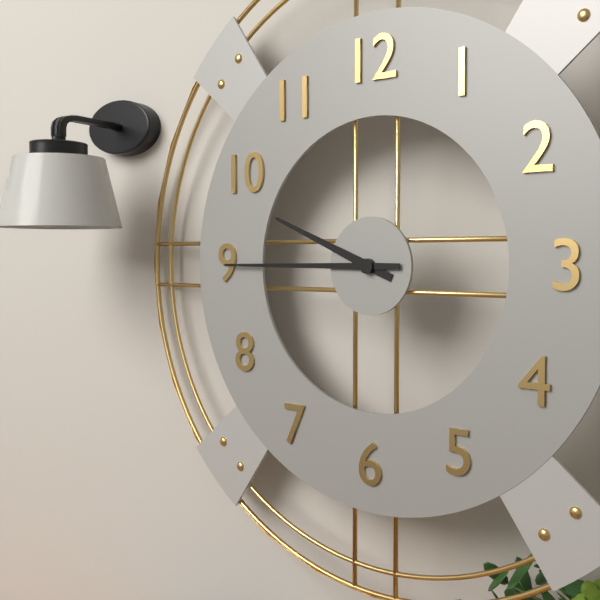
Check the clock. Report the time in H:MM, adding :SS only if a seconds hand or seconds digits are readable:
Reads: 9:45
